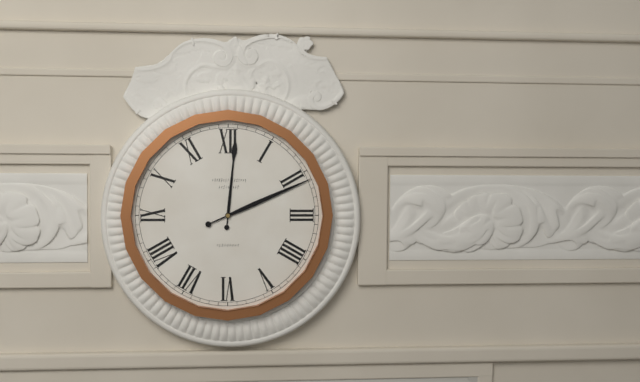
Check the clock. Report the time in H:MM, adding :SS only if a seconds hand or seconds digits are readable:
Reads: 12:11
